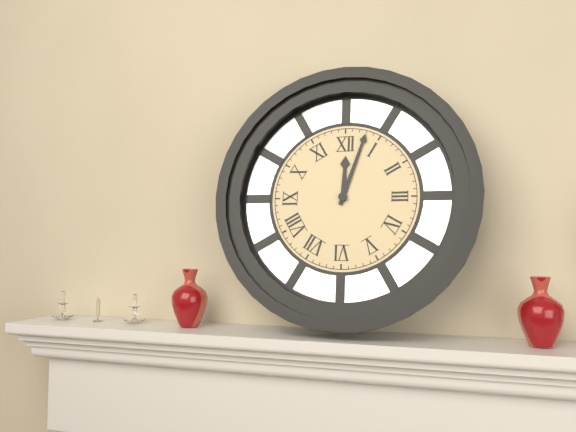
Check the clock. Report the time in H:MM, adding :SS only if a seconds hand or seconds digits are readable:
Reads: 12:03
